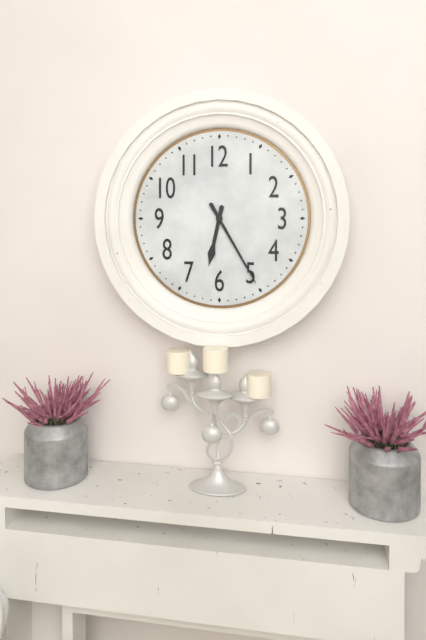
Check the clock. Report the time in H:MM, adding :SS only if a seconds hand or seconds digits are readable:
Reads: 6:25
